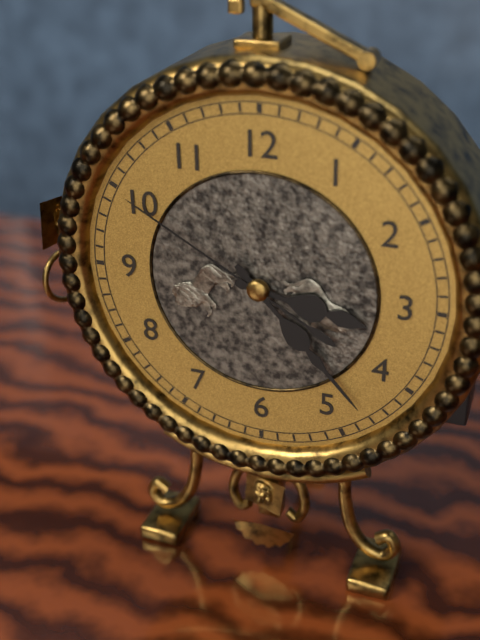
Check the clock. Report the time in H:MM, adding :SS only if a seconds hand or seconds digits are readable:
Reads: 3:23:50
